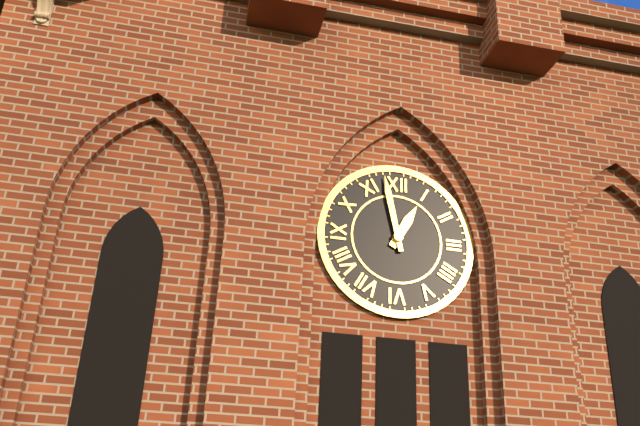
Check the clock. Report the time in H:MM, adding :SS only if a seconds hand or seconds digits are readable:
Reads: 12:58
